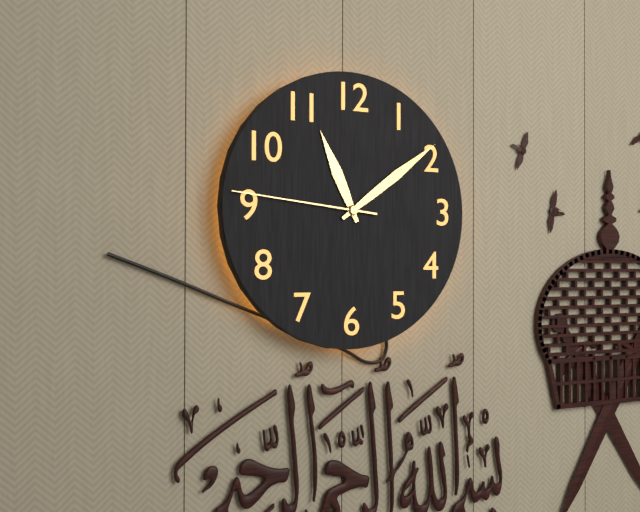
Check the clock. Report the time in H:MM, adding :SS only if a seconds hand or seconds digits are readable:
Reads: 11:09:46
